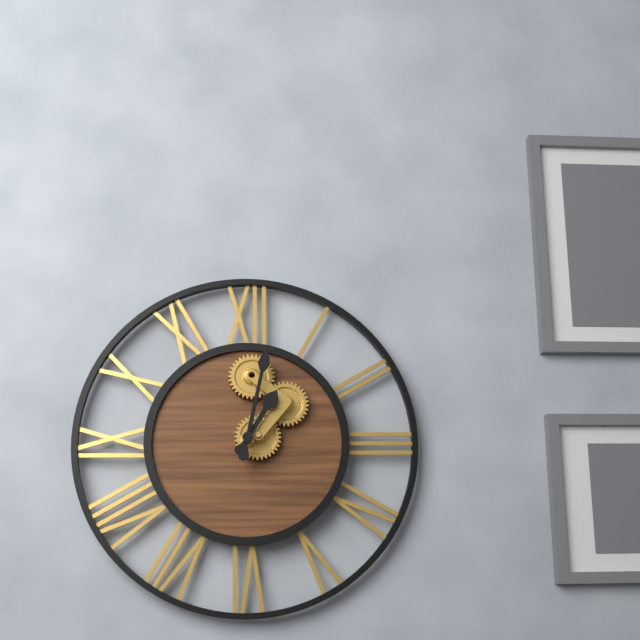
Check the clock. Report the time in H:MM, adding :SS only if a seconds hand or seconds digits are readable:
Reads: 1:02
